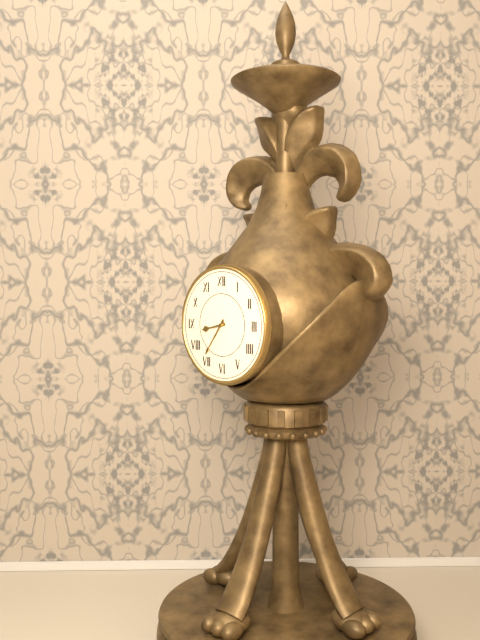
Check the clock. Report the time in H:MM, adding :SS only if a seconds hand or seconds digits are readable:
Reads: 8:36
